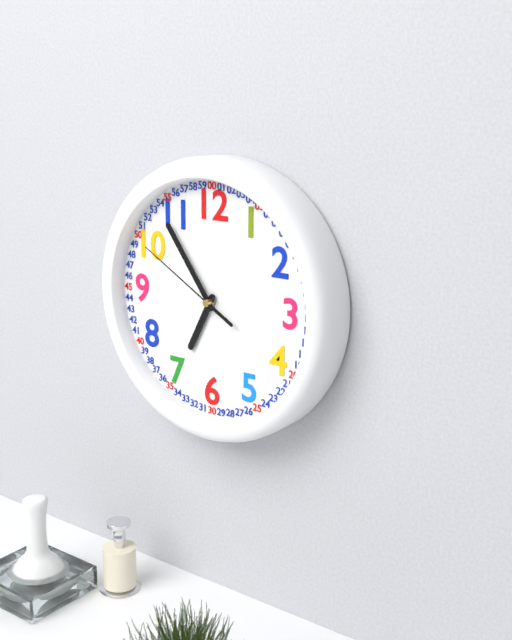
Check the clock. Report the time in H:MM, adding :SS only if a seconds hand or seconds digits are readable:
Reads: 6:54:50
